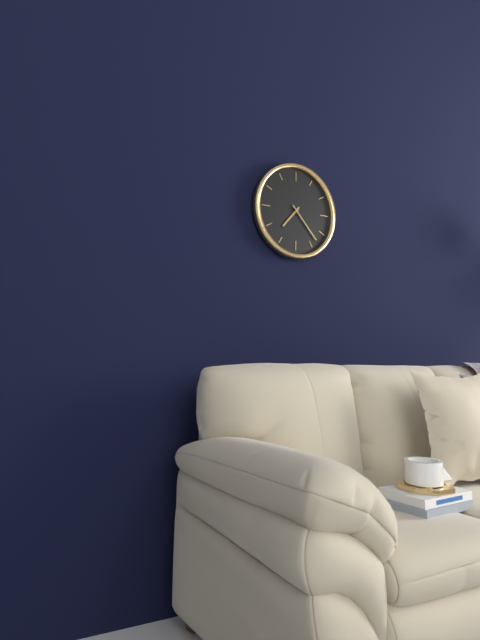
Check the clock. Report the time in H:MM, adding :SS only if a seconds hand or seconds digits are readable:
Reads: 7:23
